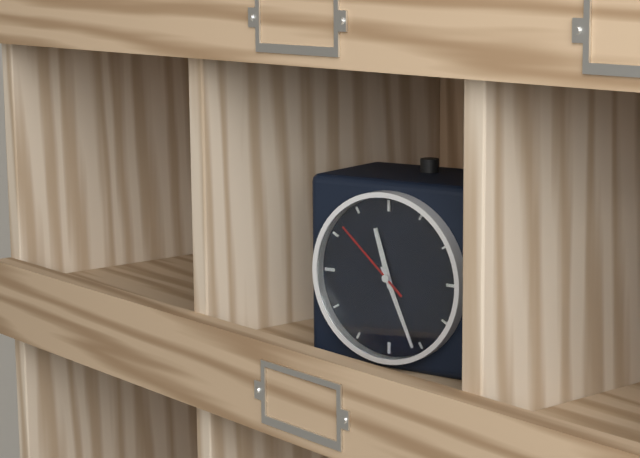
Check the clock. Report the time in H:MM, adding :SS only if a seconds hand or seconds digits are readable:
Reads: 11:26:52
